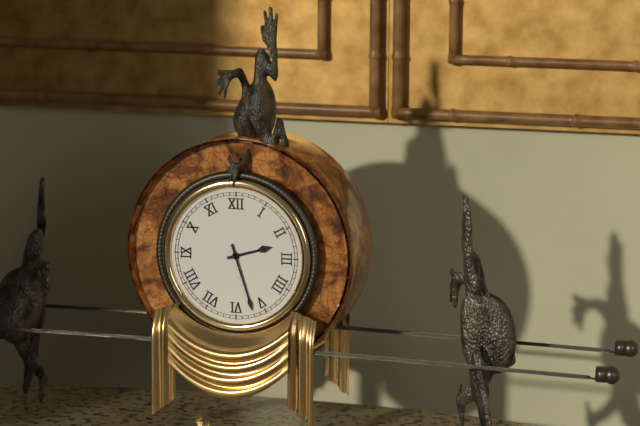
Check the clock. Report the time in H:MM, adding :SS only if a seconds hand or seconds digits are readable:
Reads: 2:27
